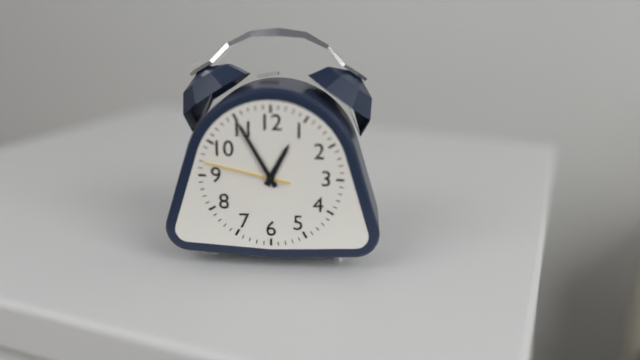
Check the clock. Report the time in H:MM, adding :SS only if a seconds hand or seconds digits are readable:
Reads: 12:55:47
